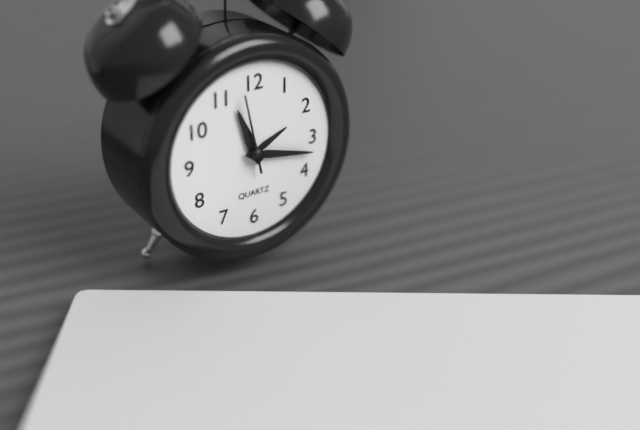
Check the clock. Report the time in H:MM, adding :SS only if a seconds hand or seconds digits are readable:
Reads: 11:17:58
